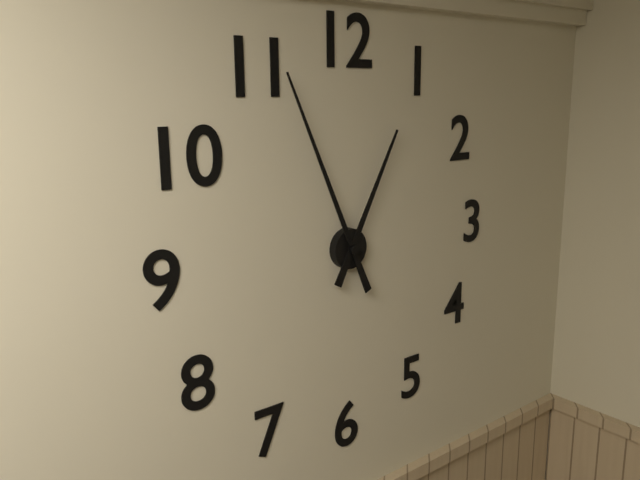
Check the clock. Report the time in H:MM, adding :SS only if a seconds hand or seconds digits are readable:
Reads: 12:56
